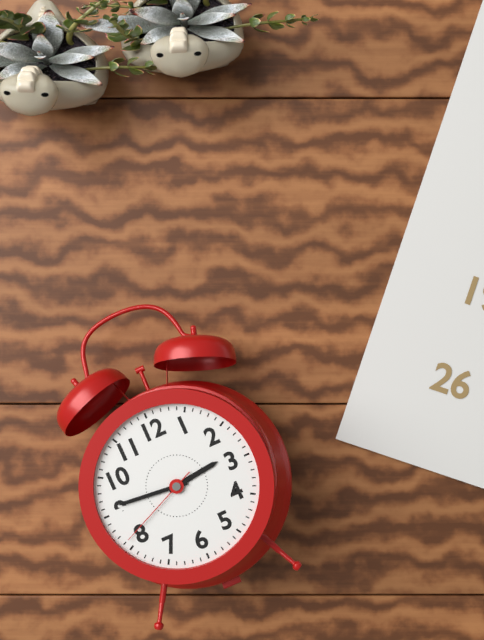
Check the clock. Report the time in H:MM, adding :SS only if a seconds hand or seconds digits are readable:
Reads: 2:46:41
